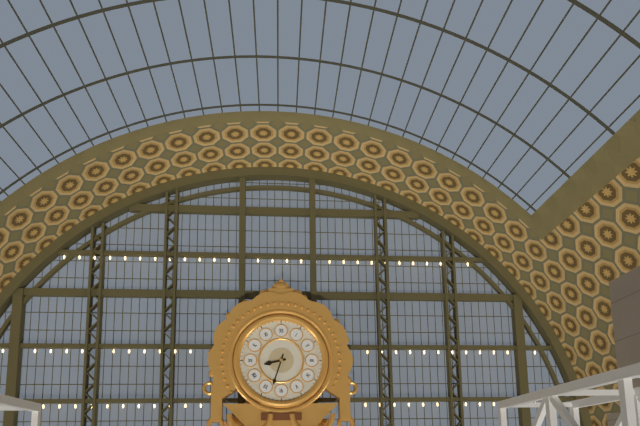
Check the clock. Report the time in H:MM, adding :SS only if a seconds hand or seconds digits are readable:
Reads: 8:33
